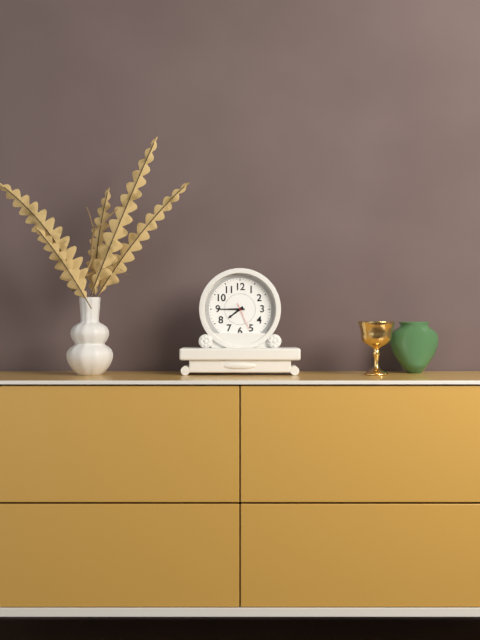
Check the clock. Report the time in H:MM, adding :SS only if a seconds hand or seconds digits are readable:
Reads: 7:45
